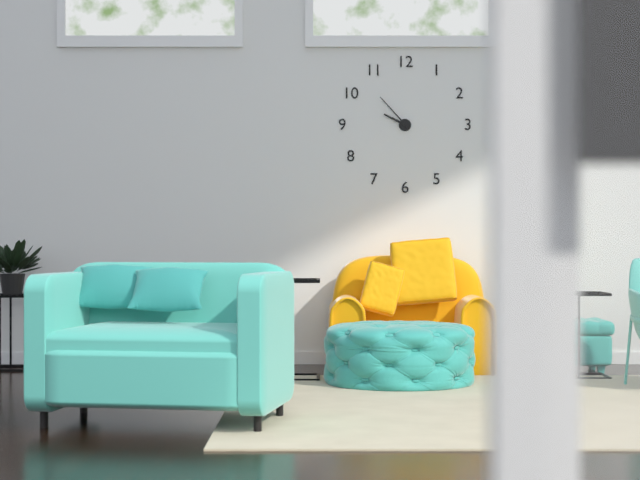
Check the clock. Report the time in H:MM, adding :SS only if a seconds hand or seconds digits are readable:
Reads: 9:53
